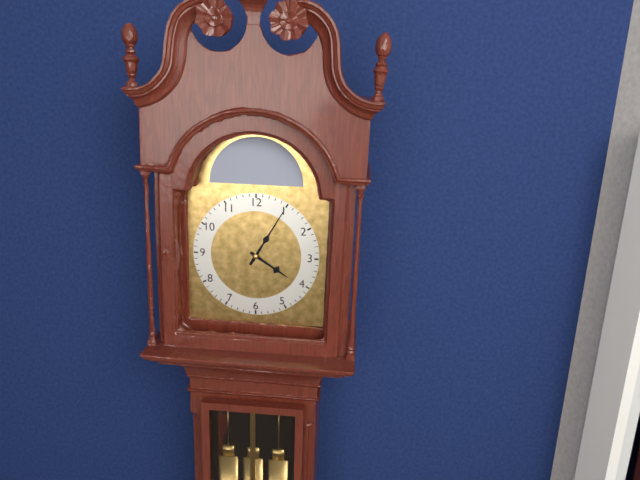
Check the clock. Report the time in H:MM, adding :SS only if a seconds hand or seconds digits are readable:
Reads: 4:05
